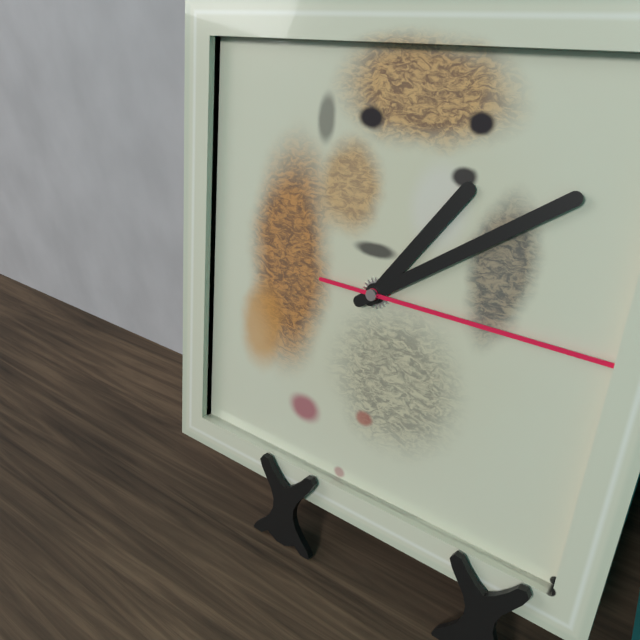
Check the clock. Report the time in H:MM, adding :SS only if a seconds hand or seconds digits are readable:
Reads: 1:09:15
